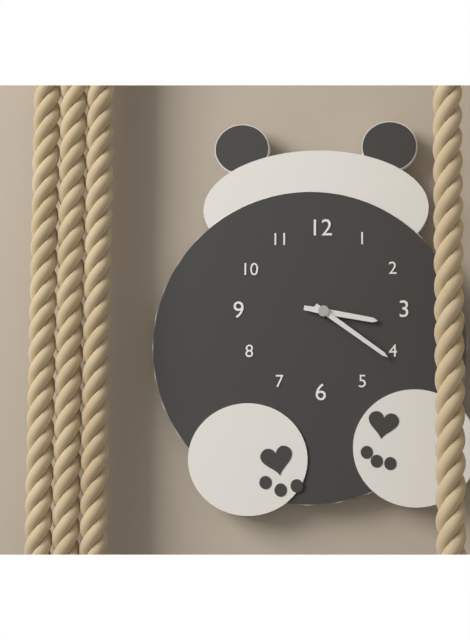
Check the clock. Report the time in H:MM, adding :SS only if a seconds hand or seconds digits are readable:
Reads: 3:21
